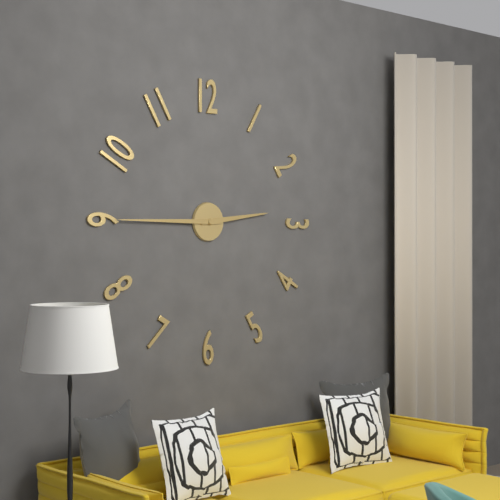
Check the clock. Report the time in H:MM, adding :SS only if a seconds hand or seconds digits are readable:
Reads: 2:45
